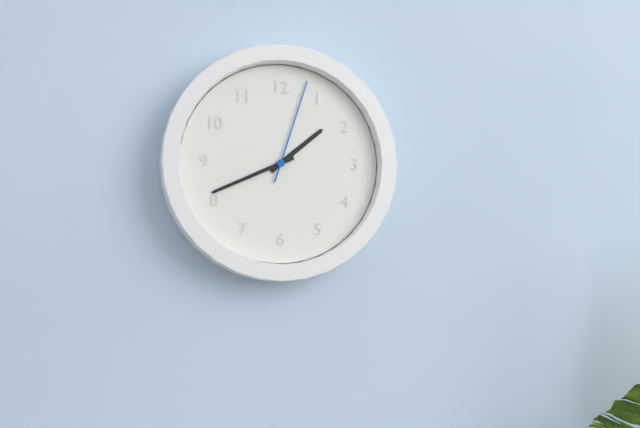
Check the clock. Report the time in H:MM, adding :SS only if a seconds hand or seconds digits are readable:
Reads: 1:41:03
